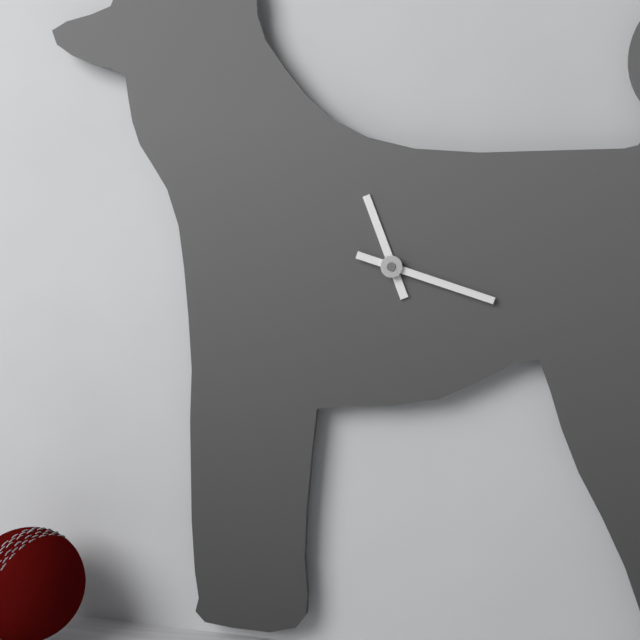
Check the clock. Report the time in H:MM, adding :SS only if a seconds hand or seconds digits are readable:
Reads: 11:18
